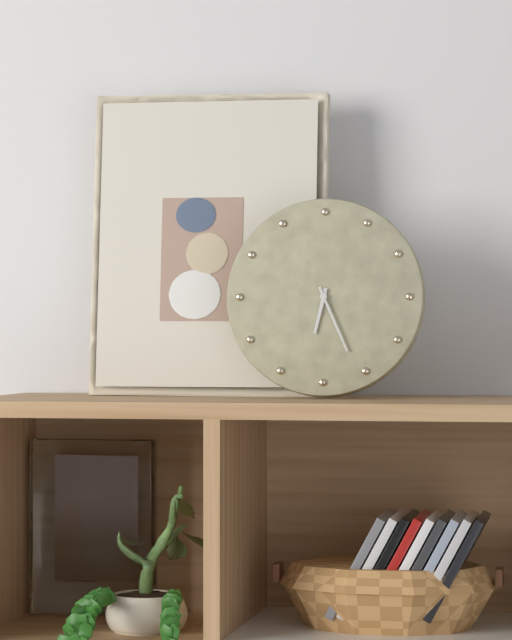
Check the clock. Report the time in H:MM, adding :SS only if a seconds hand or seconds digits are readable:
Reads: 6:26
